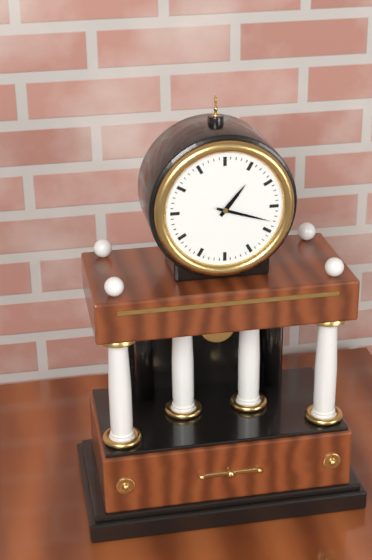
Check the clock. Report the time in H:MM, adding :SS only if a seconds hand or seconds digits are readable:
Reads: 1:18
